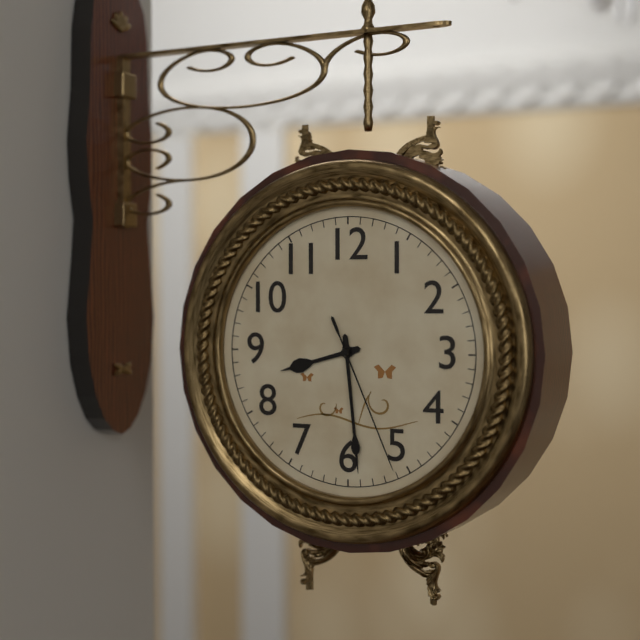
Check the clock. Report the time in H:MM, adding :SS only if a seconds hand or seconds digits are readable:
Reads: 8:29:26
